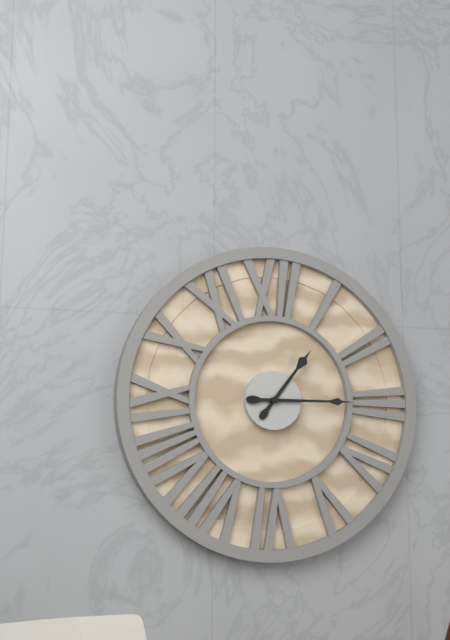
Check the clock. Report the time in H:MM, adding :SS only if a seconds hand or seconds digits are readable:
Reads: 1:15
